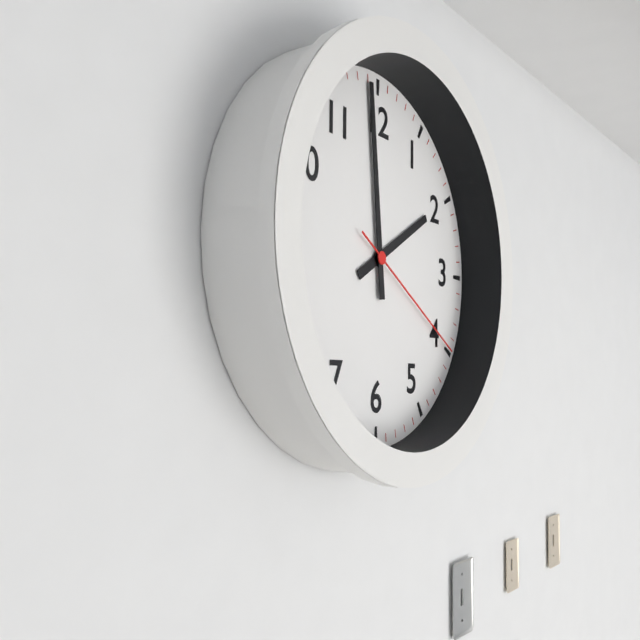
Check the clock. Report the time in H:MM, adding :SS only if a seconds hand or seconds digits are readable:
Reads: 1:59:20
